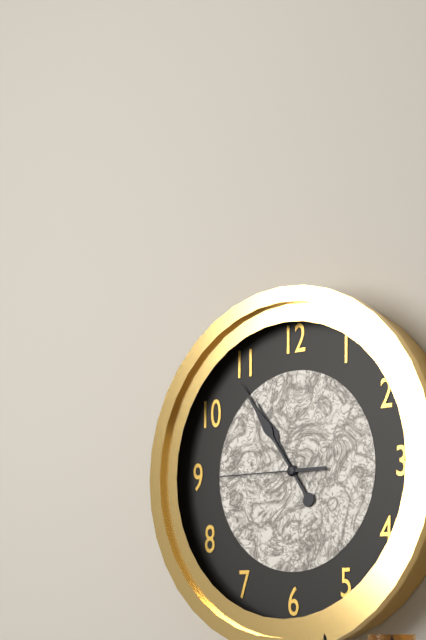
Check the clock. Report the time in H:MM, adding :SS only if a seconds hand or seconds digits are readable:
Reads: 10:54:45
